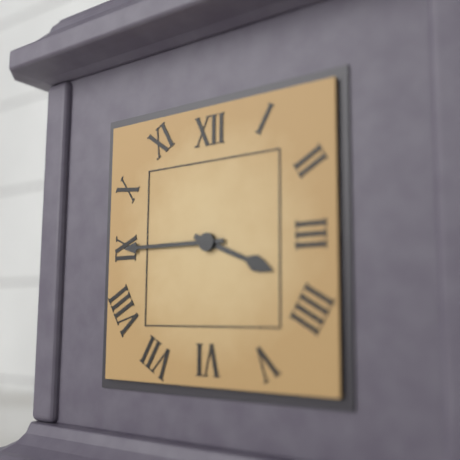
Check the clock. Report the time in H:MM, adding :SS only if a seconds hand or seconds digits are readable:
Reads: 3:45
